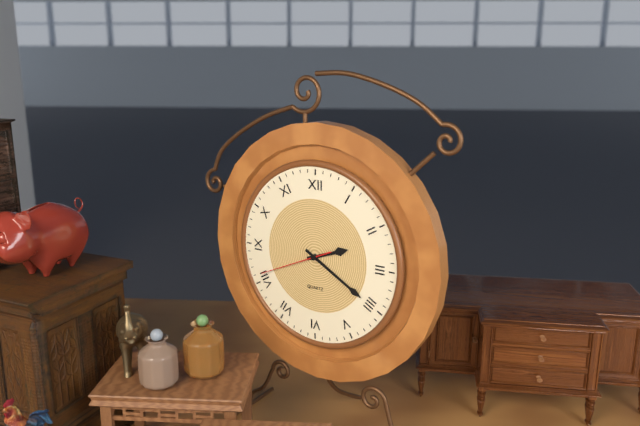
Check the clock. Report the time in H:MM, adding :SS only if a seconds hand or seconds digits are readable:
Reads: 2:20:41
